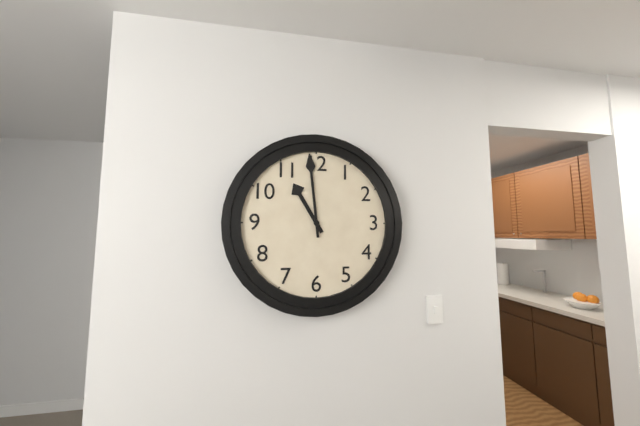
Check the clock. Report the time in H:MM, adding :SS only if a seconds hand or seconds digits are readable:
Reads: 10:59
